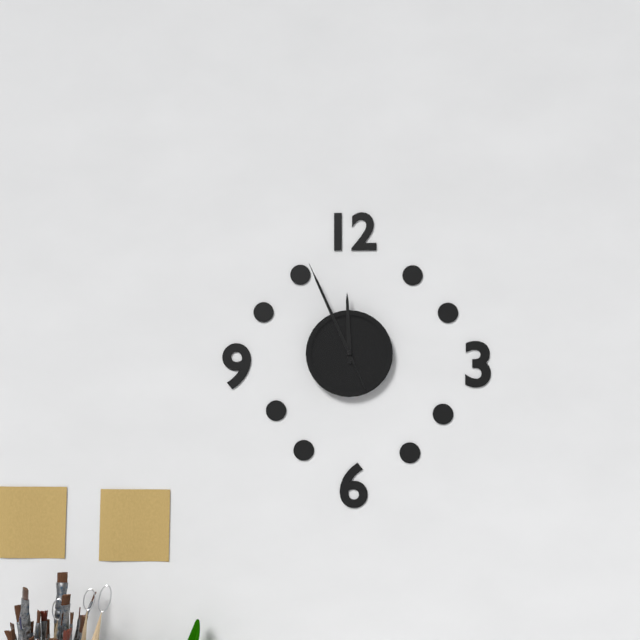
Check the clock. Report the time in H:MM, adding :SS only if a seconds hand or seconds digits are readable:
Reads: 11:56:56
